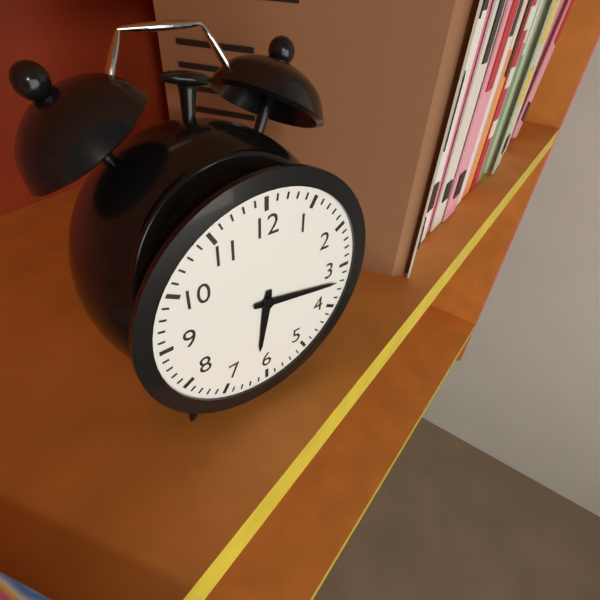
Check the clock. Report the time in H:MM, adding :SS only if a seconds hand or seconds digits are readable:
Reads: 6:17
